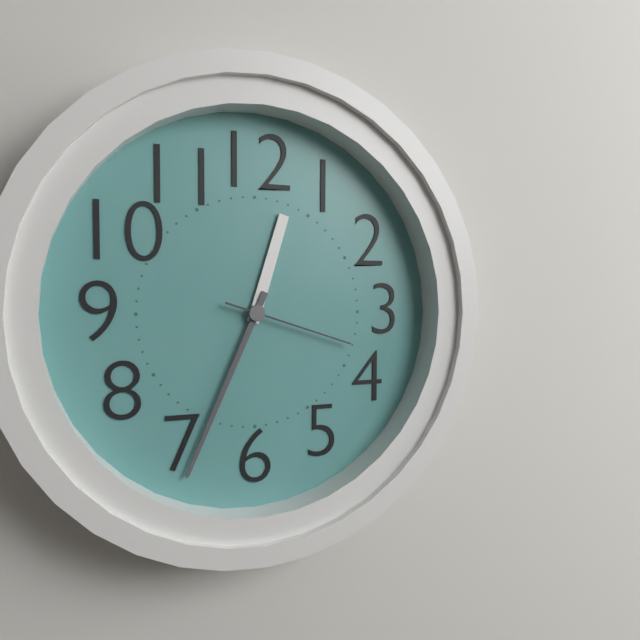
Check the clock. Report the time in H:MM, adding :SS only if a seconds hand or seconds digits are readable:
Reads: 12:34:18
